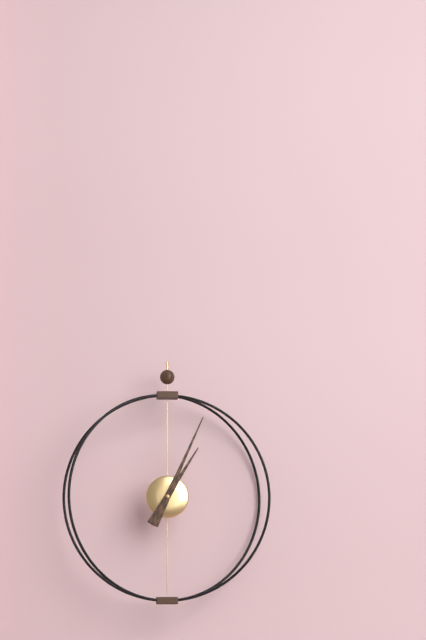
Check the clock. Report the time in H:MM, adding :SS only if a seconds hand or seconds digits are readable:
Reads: 1:04
